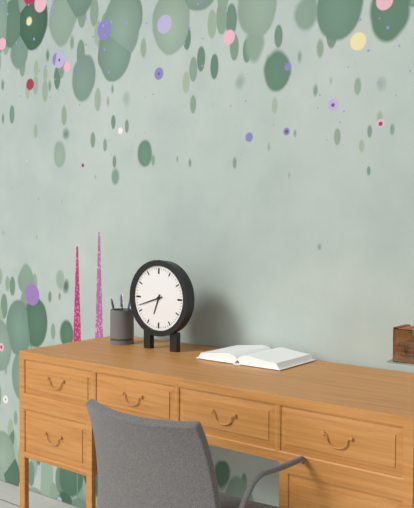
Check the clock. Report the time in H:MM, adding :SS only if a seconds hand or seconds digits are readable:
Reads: 6:42
